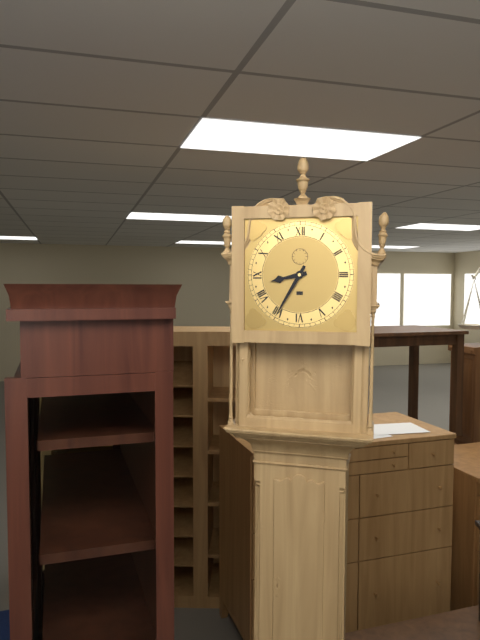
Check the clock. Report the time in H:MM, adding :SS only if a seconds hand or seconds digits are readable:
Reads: 8:35
